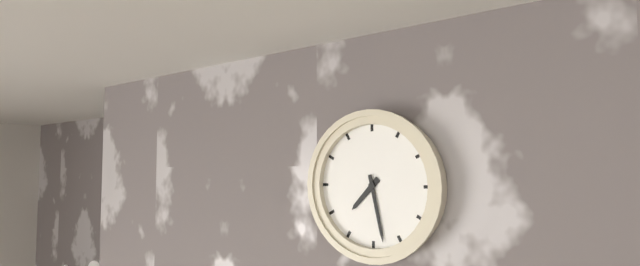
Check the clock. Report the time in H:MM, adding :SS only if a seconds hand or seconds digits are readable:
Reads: 7:28
